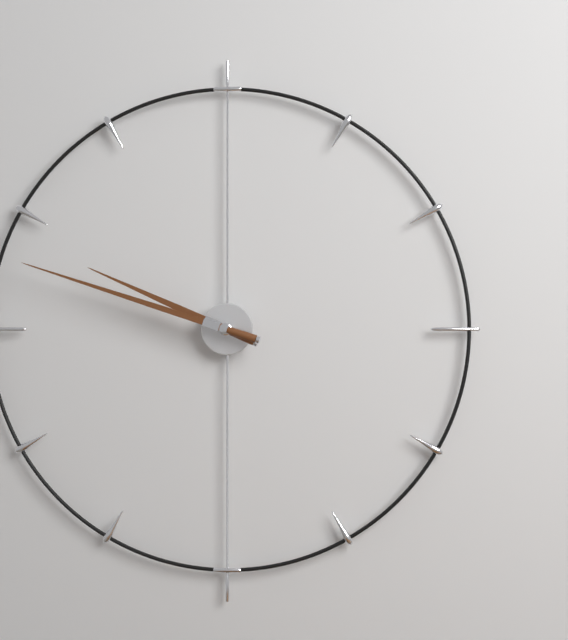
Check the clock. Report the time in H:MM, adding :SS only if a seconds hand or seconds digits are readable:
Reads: 9:48
